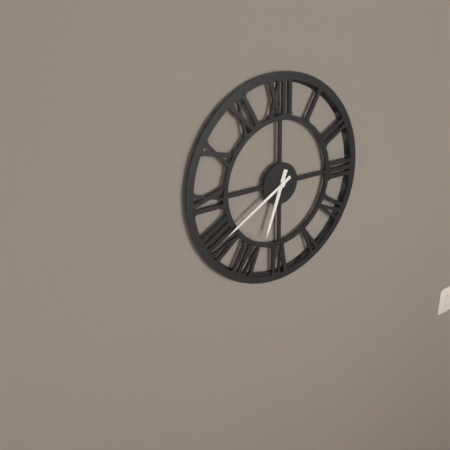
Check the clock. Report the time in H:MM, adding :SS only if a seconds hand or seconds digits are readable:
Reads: 6:40
